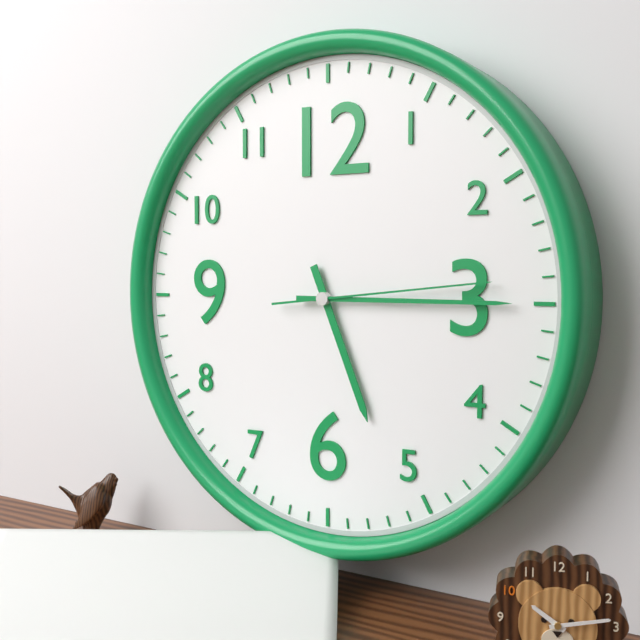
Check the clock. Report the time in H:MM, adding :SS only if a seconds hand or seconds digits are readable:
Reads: 5:15:14
